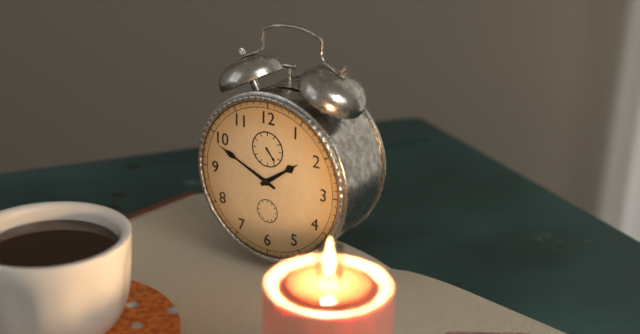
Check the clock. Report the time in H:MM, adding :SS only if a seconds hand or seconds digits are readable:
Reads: 1:49
